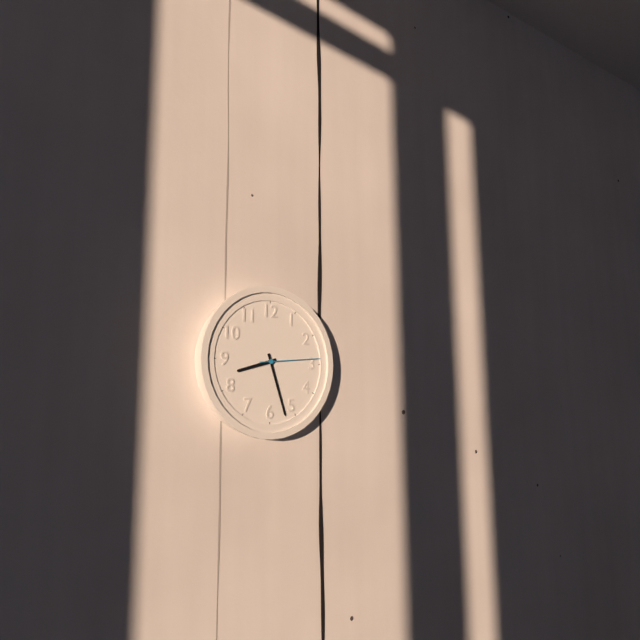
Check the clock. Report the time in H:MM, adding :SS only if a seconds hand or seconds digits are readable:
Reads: 8:27:14
